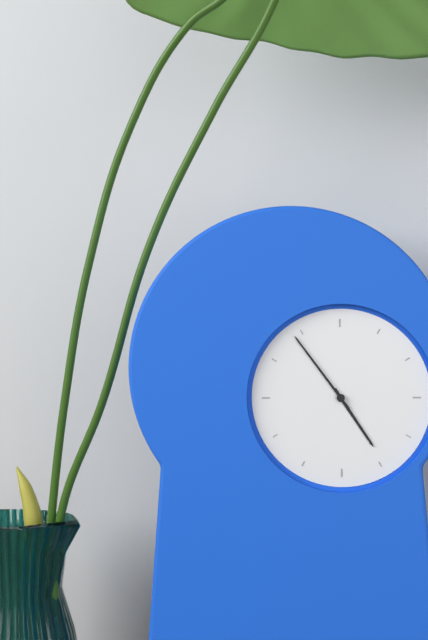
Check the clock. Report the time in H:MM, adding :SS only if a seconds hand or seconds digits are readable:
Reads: 4:54
